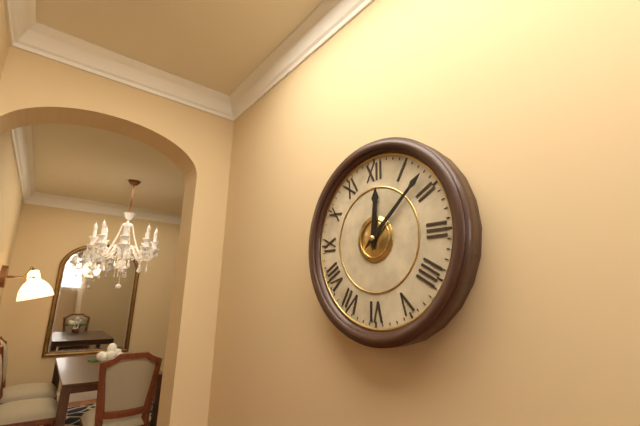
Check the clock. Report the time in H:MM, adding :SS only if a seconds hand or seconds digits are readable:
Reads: 12:08
